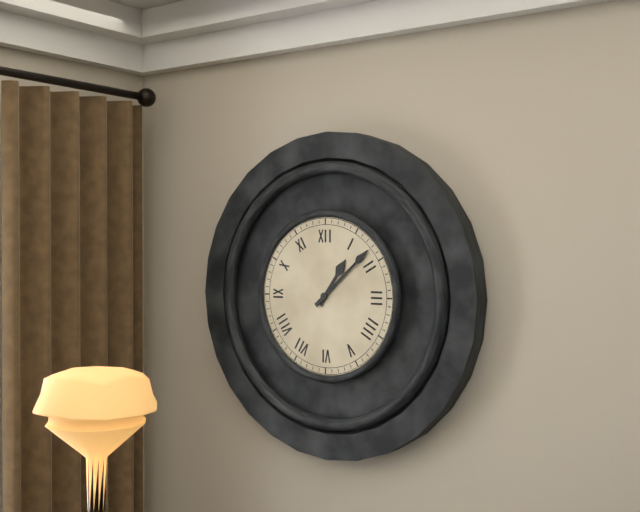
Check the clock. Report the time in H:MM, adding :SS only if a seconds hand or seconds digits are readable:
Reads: 1:08
